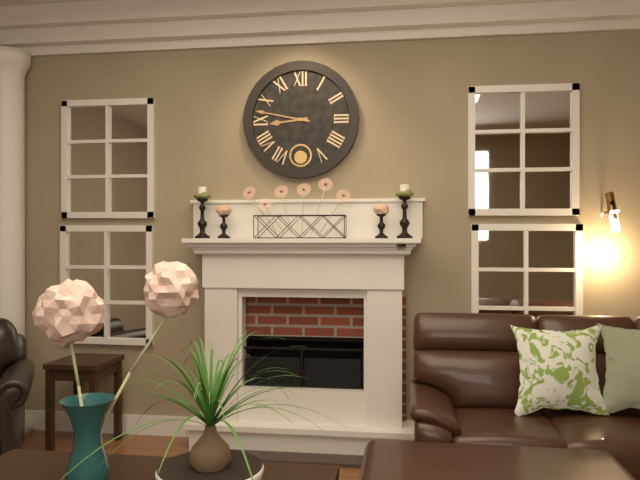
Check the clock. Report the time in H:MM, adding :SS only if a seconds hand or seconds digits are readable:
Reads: 8:47
